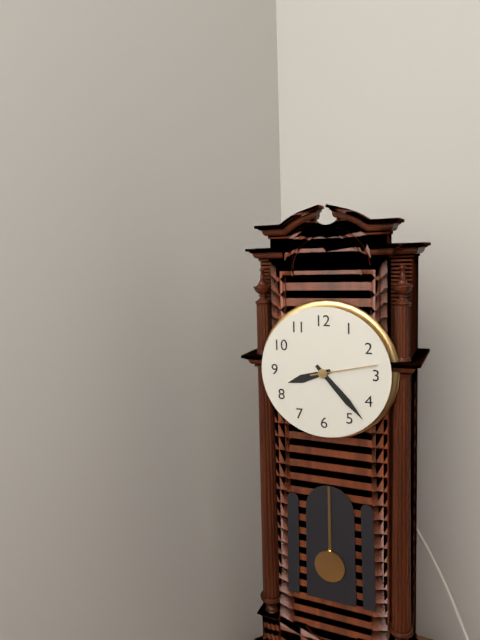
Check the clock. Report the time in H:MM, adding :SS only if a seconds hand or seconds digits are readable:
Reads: 8:23:13
